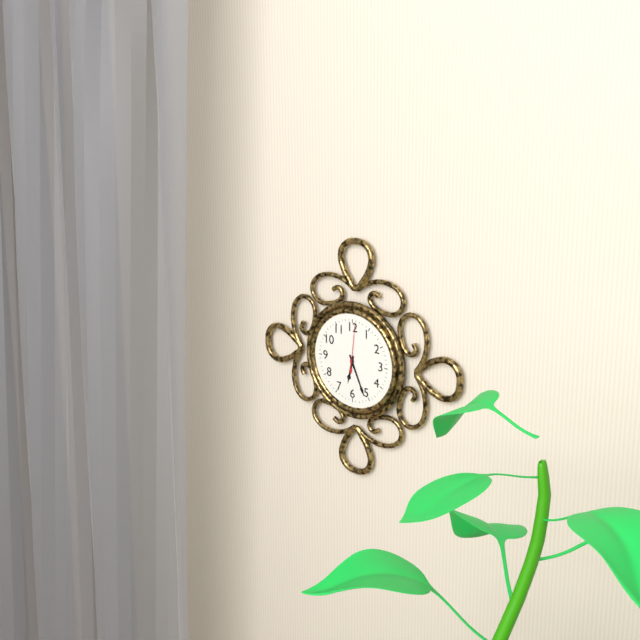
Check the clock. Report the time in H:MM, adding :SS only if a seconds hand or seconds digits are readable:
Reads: 6:26
